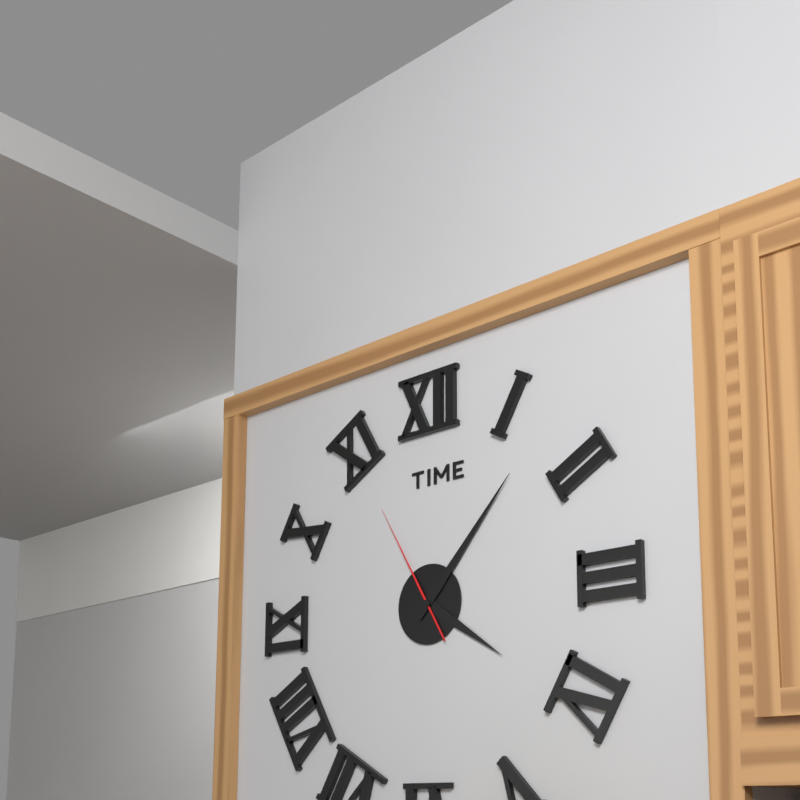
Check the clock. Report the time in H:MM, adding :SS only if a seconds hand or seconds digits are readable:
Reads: 4:07:55
